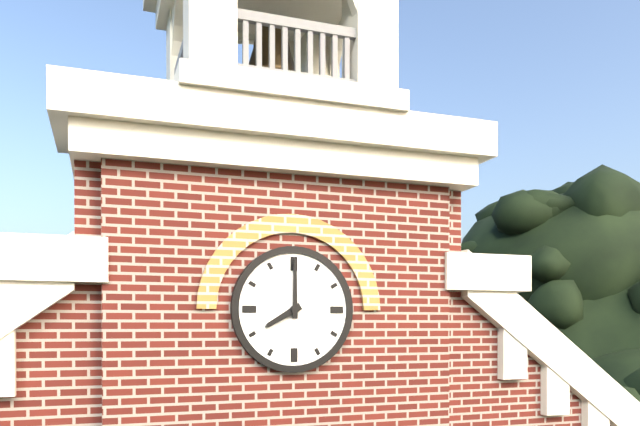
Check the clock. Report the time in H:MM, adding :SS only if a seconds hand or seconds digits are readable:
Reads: 8:00
